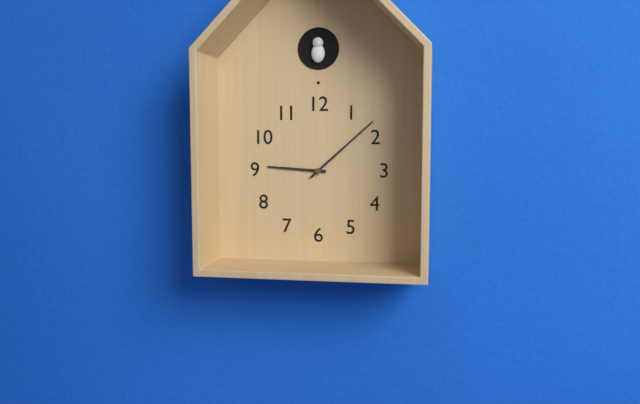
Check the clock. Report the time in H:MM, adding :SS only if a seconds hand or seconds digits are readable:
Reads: 9:08
